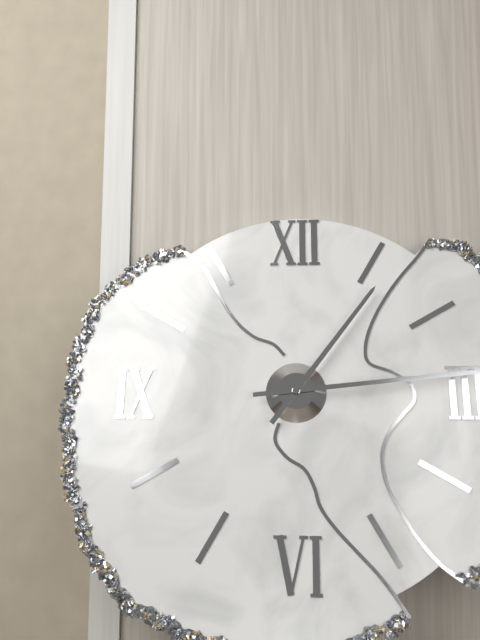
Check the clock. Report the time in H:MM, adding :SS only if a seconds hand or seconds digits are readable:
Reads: 1:14
